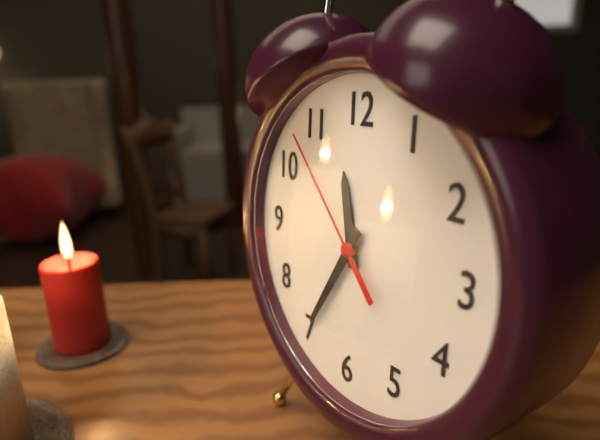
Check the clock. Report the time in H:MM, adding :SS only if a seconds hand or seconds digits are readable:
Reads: 11:35:53
